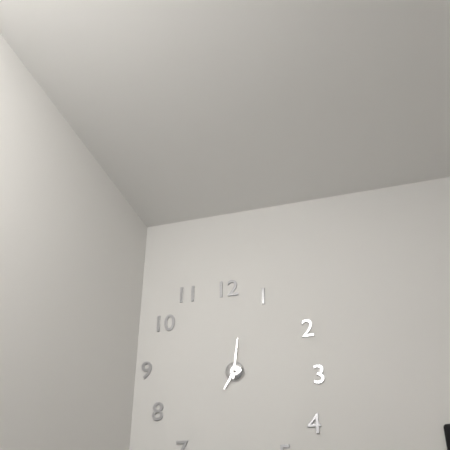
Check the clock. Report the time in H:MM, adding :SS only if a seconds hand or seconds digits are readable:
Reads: 7:01
